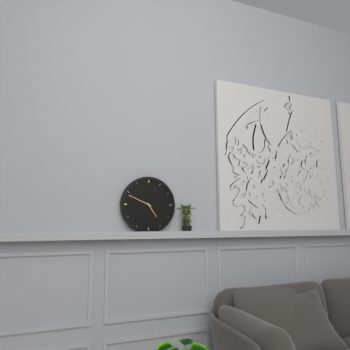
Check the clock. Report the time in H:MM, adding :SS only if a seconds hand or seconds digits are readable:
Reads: 4:49
